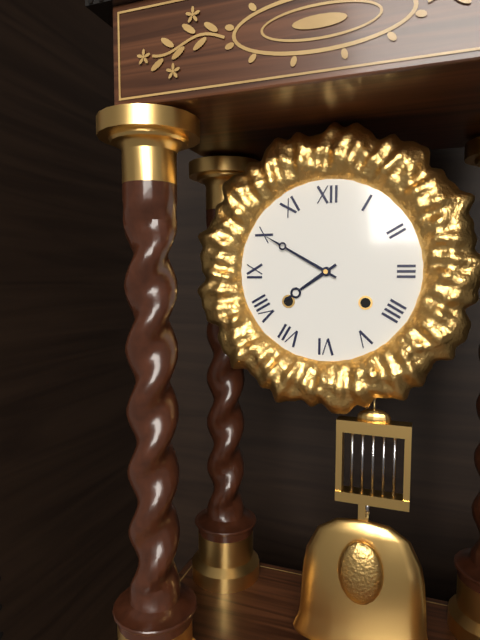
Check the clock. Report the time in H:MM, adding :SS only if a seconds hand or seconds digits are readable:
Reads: 7:50
